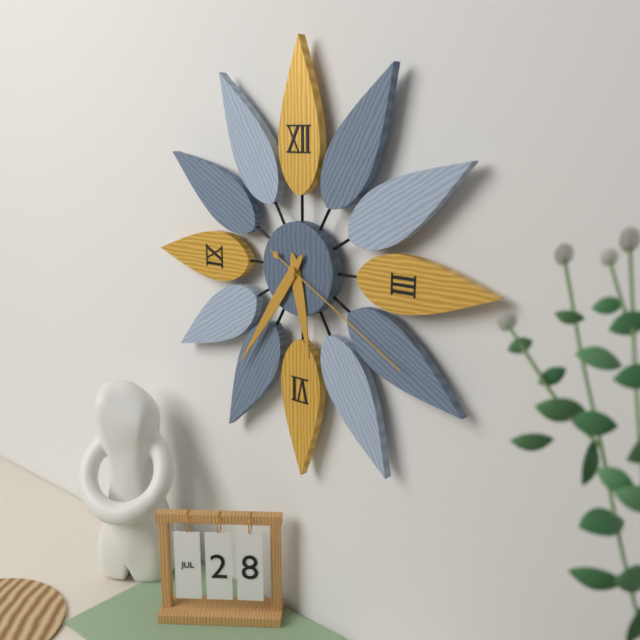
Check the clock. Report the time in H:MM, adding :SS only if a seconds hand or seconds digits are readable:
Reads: 5:36:20
